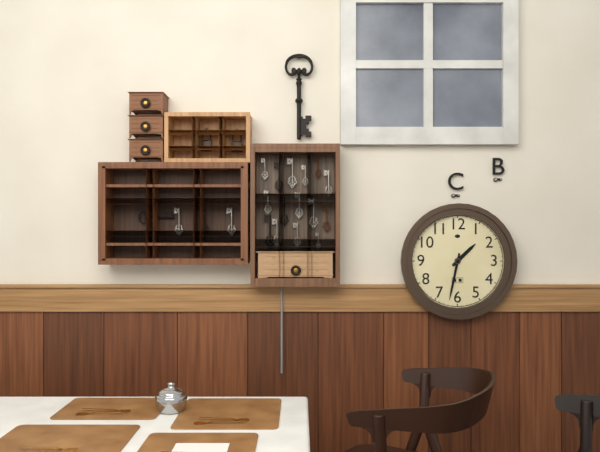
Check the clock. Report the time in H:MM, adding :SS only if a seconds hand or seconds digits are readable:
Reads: 1:32
